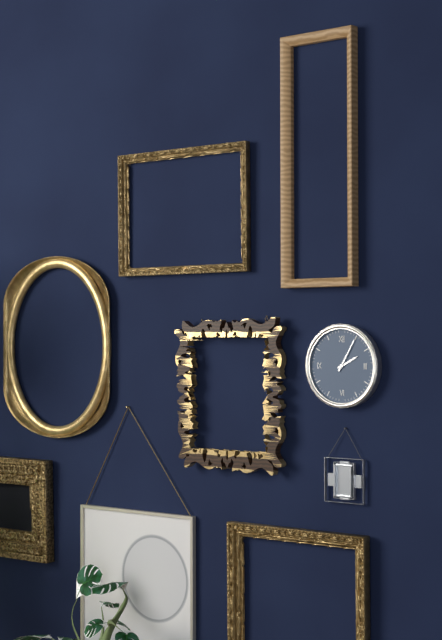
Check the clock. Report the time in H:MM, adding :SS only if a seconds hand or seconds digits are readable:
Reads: 2:05
